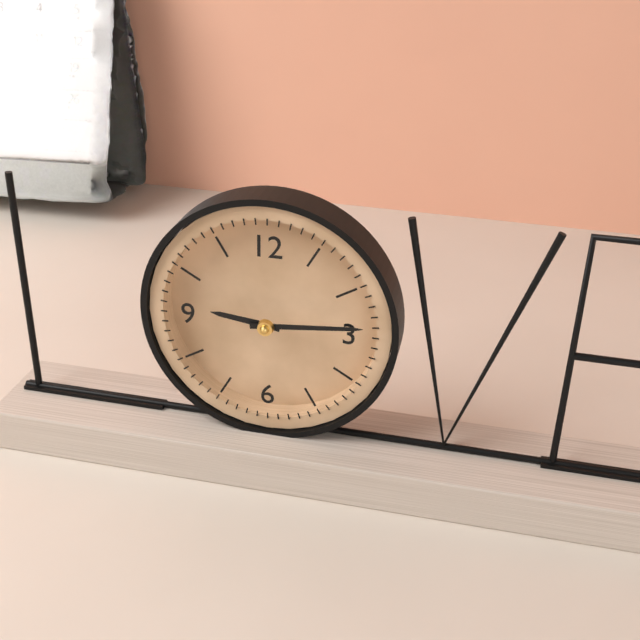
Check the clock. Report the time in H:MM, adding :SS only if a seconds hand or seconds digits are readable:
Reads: 9:14
